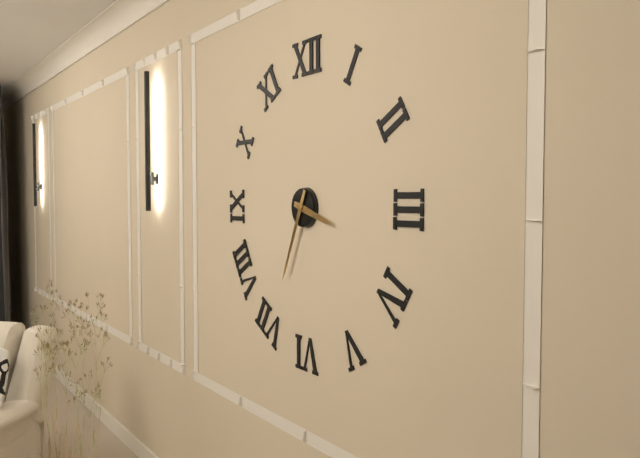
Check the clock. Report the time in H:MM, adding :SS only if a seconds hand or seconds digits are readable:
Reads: 3:34
